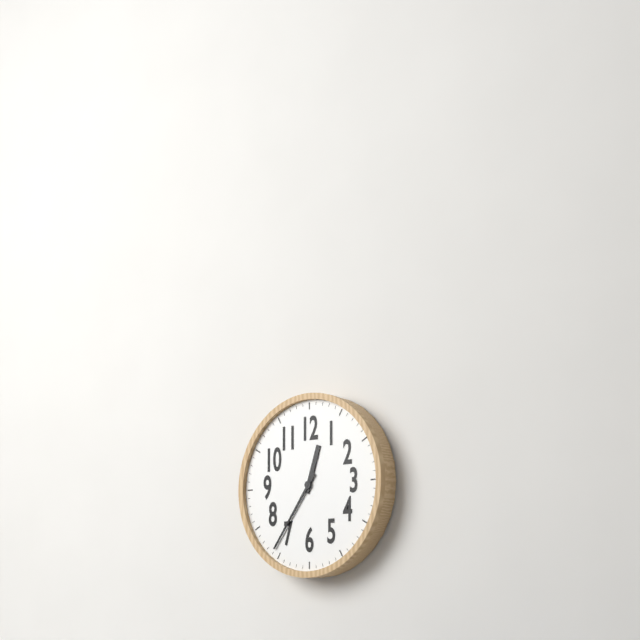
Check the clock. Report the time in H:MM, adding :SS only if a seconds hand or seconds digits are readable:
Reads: 12:36
